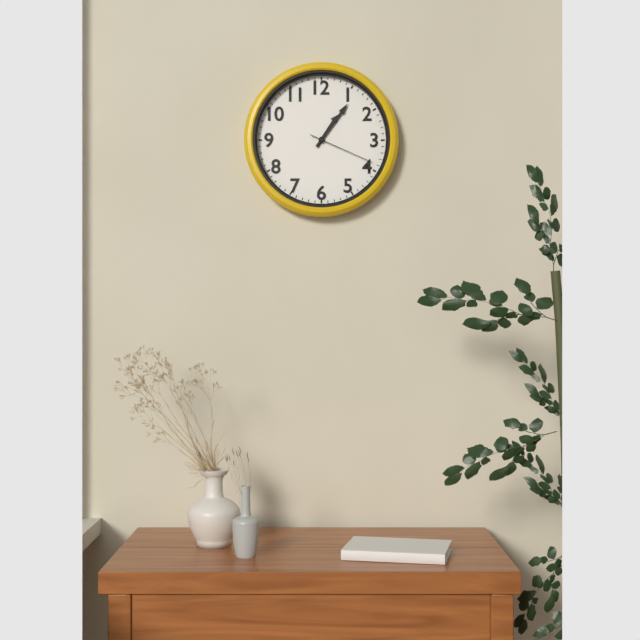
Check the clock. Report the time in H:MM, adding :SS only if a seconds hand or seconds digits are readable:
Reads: 1:06:19
